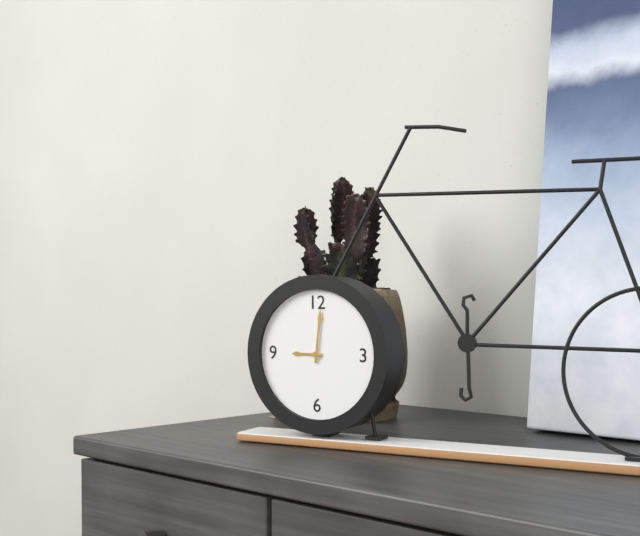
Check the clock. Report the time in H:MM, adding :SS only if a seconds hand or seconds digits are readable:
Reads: 9:01
